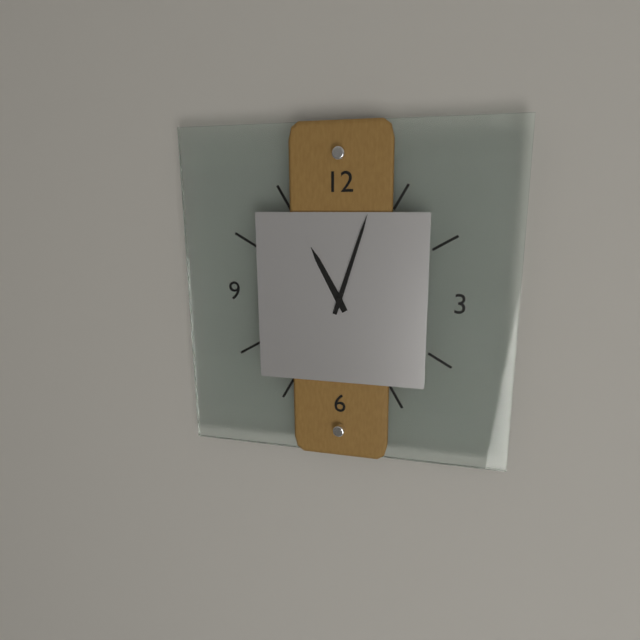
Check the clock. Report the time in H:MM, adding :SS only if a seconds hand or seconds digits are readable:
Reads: 11:03
